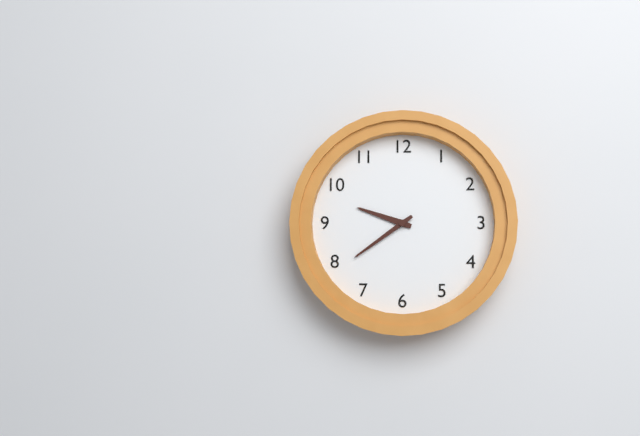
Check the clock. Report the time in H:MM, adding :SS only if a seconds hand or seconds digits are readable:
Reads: 9:39
